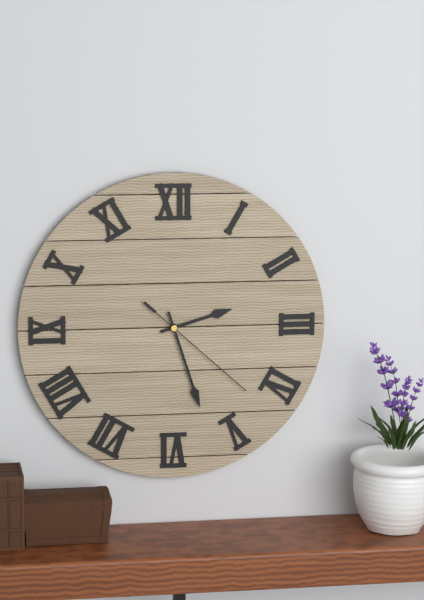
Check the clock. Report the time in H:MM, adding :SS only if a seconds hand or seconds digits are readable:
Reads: 2:27:22
